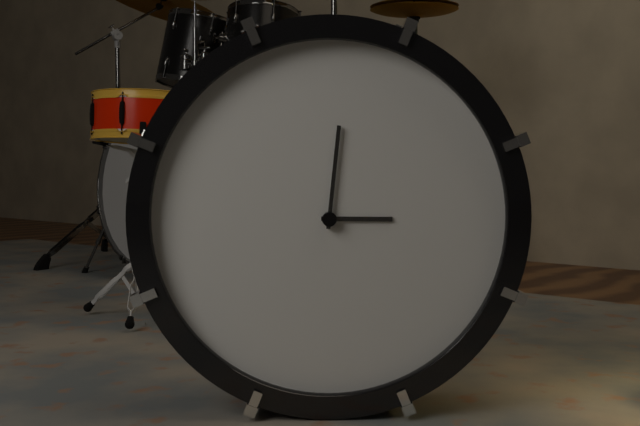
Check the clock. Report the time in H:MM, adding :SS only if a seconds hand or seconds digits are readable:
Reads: 3:01
